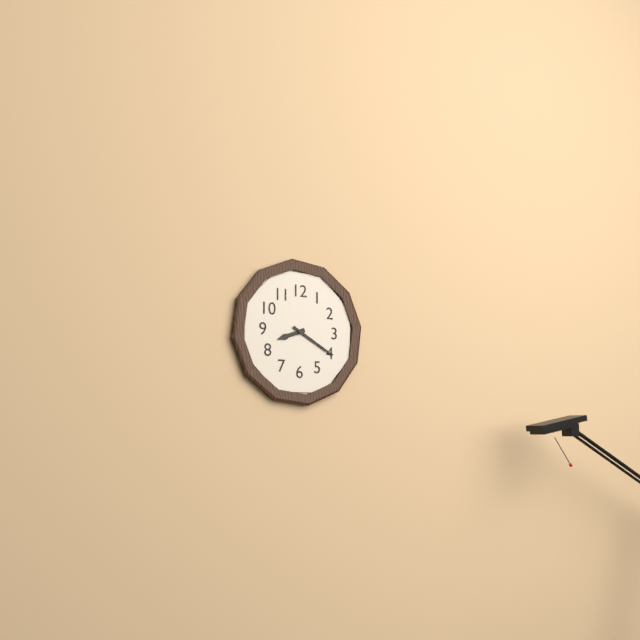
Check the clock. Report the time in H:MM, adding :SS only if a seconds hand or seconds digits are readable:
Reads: 8:20
